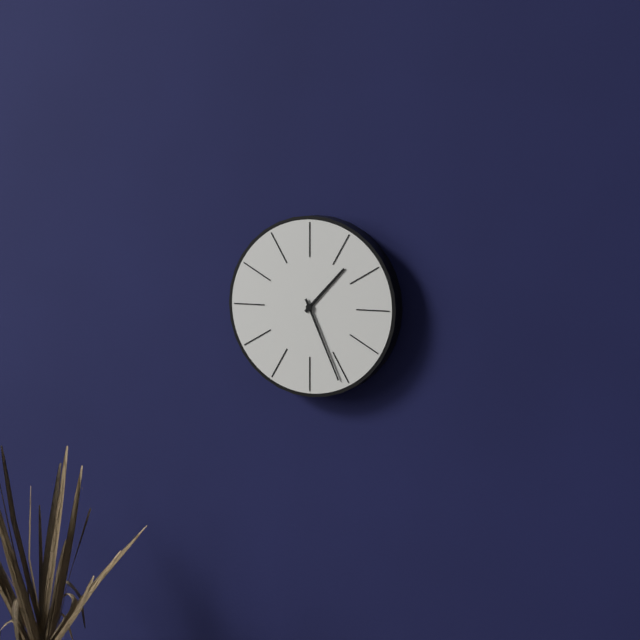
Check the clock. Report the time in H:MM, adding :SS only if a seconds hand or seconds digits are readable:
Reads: 1:26
